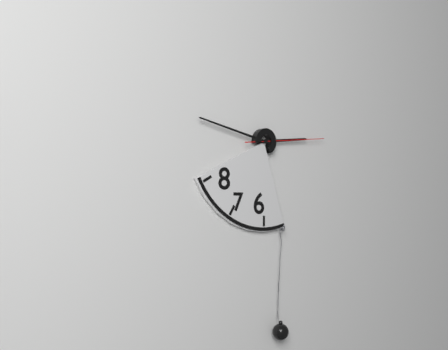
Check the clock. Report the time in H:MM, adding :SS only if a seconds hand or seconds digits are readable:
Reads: 2:47:14
